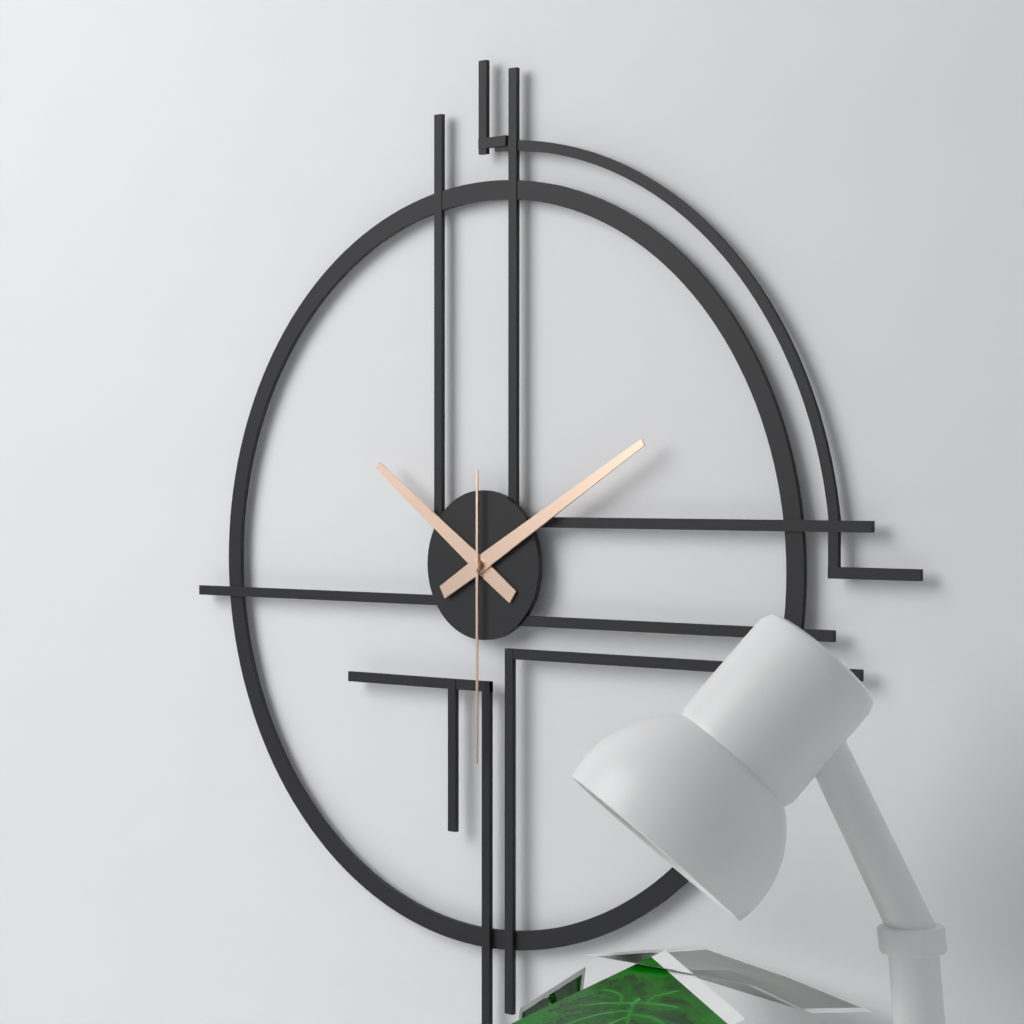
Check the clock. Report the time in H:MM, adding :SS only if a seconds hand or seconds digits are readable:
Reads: 10:10:30
